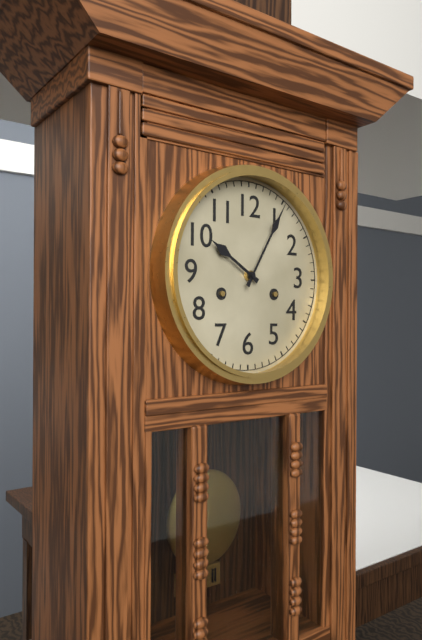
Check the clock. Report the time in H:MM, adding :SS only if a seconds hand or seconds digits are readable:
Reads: 10:05
